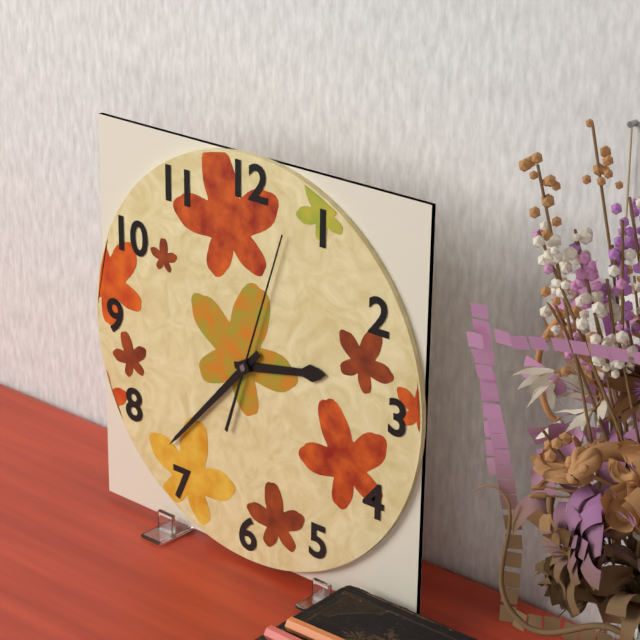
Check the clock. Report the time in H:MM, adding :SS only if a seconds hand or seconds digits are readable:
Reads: 2:37:03
